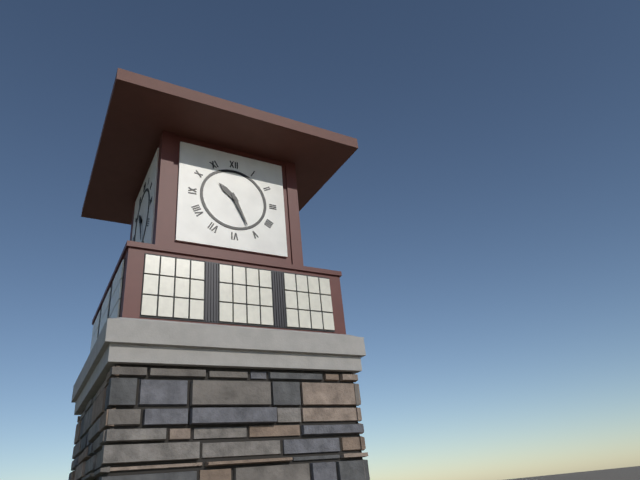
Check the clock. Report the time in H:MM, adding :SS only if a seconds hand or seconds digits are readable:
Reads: 10:26
